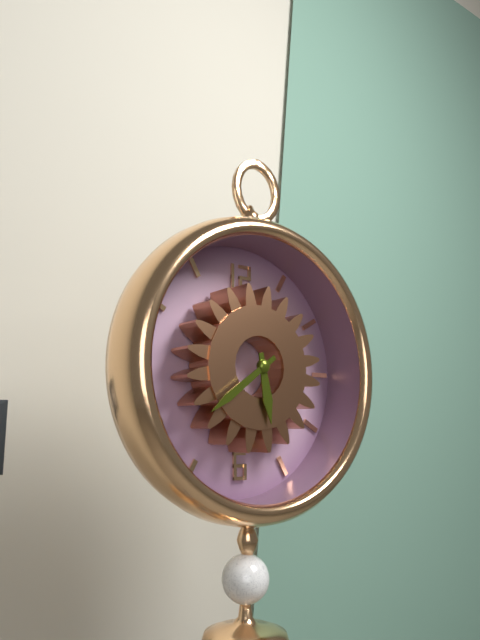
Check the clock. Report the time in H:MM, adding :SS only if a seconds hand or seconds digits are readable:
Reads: 5:39
